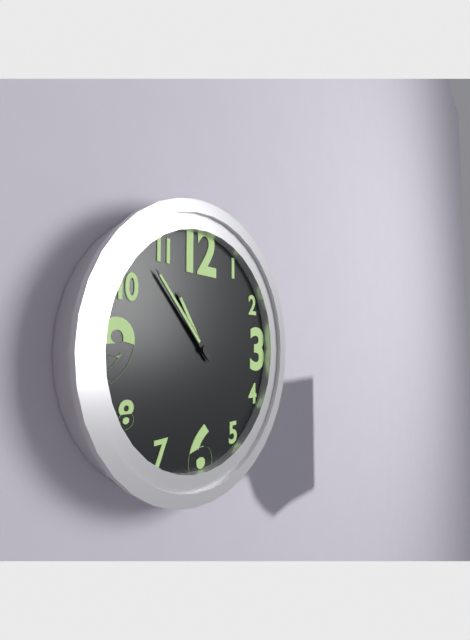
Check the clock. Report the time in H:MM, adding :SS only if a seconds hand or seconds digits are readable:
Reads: 10:53
